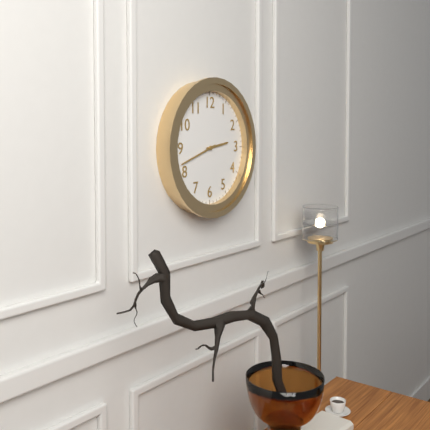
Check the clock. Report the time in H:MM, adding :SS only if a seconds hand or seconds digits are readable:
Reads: 2:42
